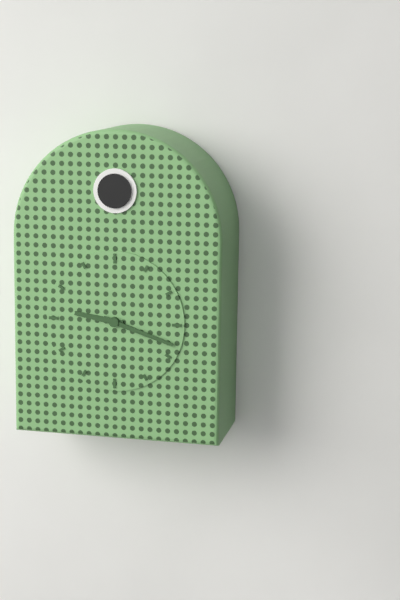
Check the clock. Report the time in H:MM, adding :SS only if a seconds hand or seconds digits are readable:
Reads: 9:18
